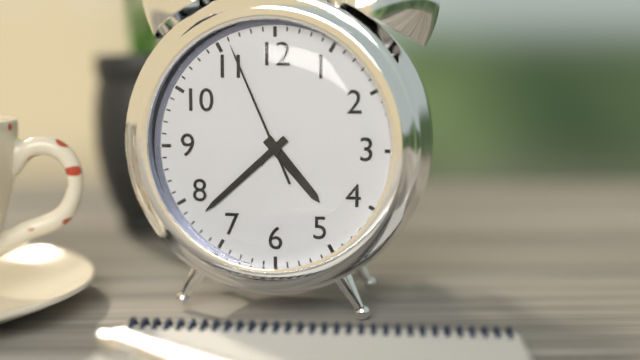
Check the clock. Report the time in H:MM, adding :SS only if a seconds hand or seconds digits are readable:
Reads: 4:38:56
